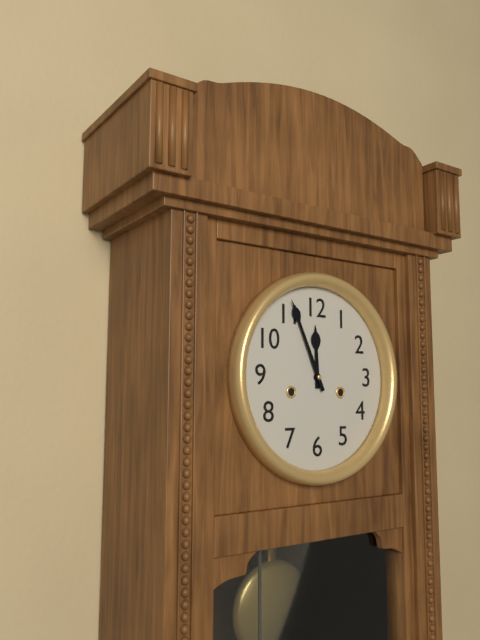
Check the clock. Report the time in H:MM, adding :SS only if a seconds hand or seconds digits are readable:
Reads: 11:56
